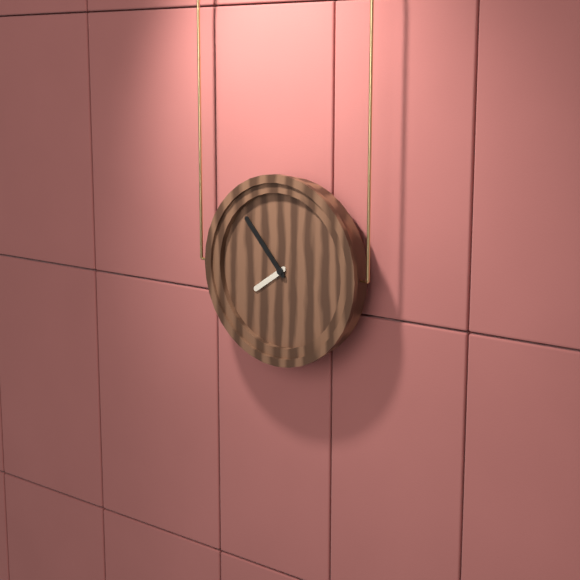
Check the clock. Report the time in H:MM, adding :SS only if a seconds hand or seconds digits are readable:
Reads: 7:53
